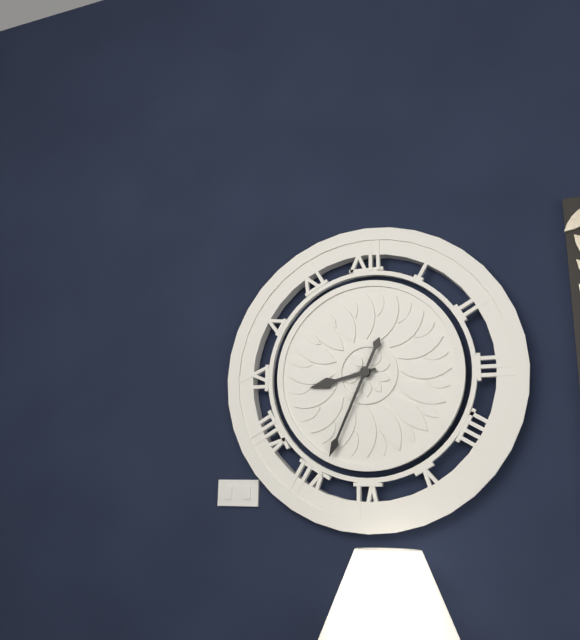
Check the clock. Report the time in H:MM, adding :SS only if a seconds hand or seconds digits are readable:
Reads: 8:34
